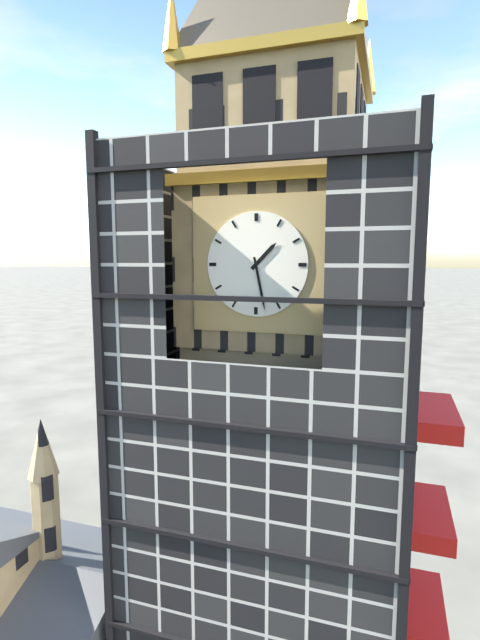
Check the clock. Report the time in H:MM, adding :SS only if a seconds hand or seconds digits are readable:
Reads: 1:28
